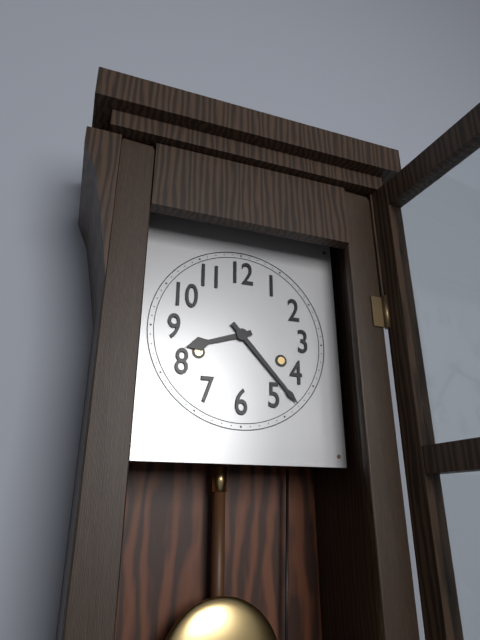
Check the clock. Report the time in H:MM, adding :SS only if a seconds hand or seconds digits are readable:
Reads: 8:23
